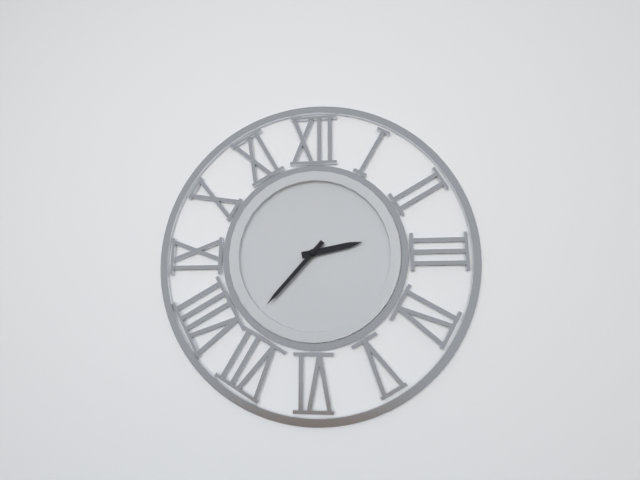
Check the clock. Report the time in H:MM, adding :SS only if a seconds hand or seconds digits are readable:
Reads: 2:37
